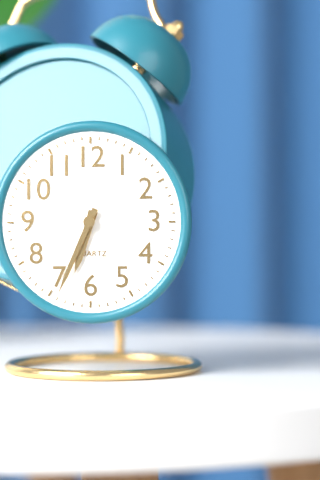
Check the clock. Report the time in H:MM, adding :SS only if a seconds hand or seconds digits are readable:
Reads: 6:34
